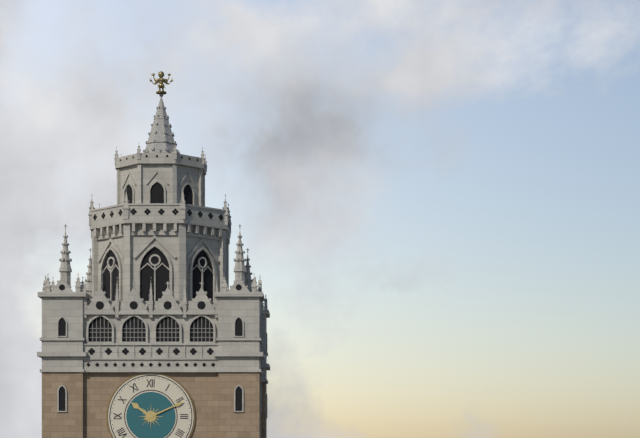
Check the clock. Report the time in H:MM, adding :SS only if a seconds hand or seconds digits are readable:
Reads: 10:11
